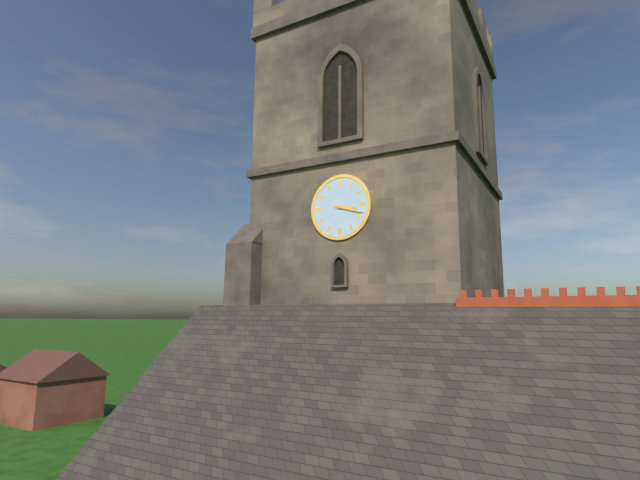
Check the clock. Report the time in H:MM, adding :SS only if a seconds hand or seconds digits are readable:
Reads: 3:18
